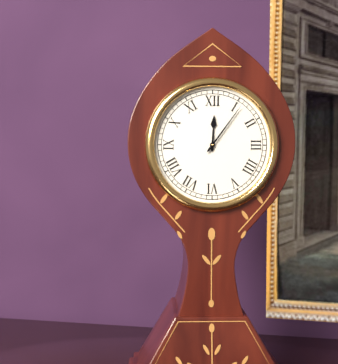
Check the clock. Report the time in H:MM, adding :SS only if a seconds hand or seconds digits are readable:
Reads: 12:06
